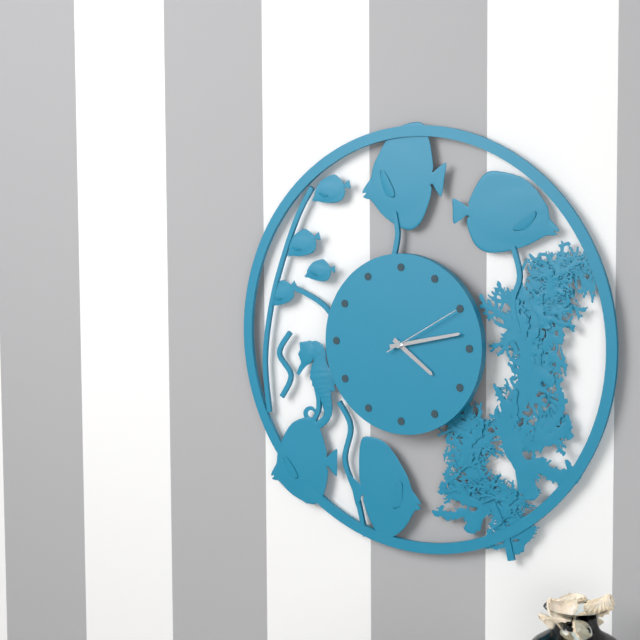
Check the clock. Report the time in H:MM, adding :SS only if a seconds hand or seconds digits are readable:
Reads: 4:13:10
